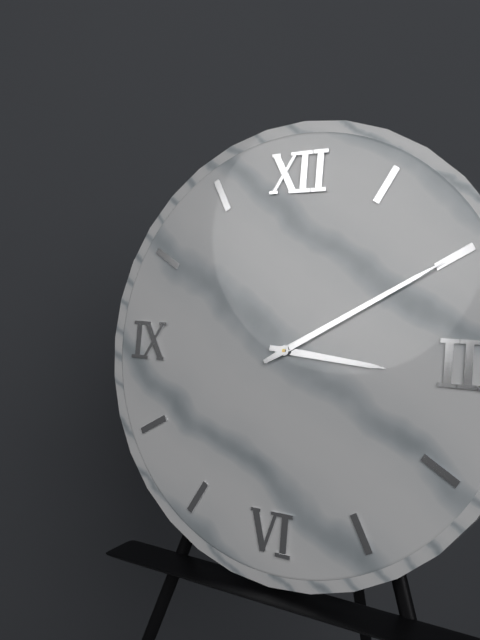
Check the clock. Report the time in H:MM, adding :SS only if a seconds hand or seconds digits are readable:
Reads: 3:10
